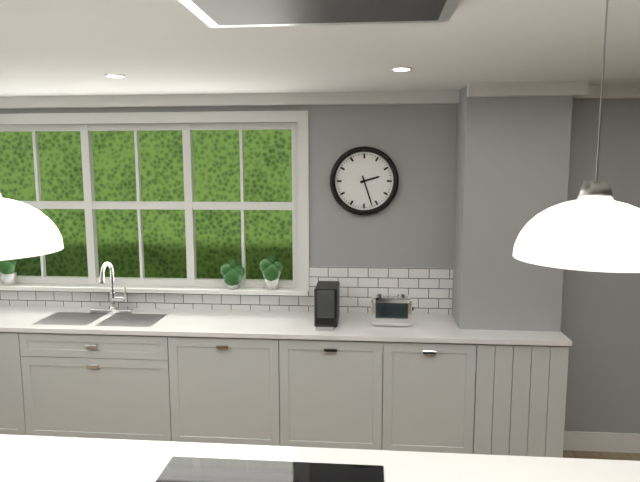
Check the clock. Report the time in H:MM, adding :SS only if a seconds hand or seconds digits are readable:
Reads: 2:27
